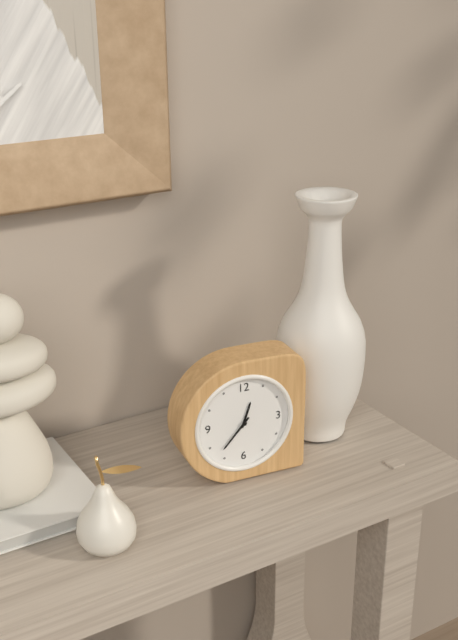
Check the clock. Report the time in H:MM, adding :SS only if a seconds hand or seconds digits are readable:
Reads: 12:37
